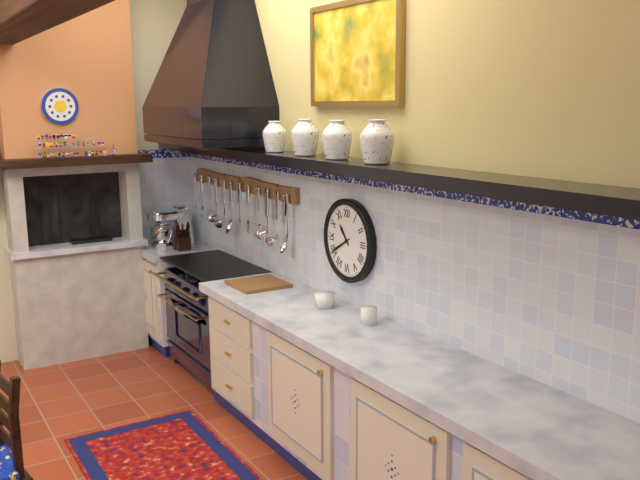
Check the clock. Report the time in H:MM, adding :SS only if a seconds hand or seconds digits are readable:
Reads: 10:40
